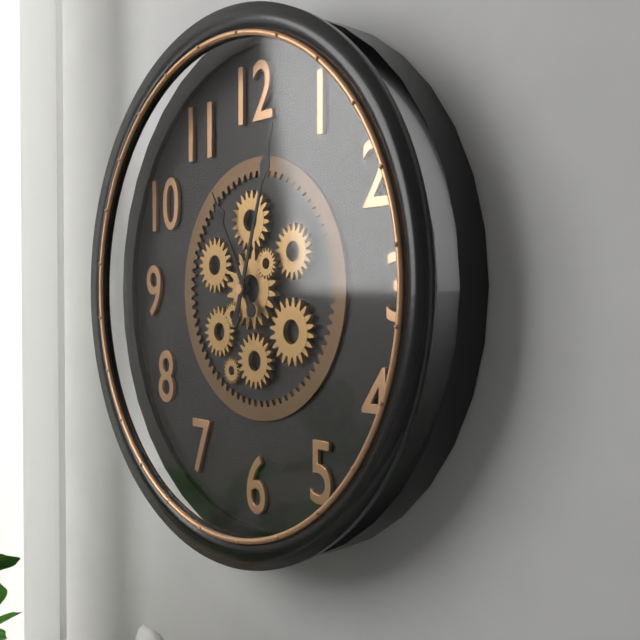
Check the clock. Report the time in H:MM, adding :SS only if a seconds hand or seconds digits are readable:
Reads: 11:03
